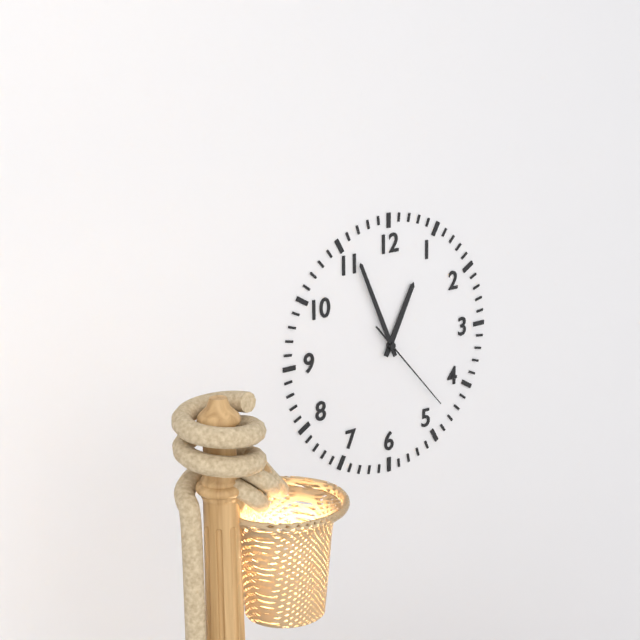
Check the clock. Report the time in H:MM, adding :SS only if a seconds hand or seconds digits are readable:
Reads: 12:56:23
